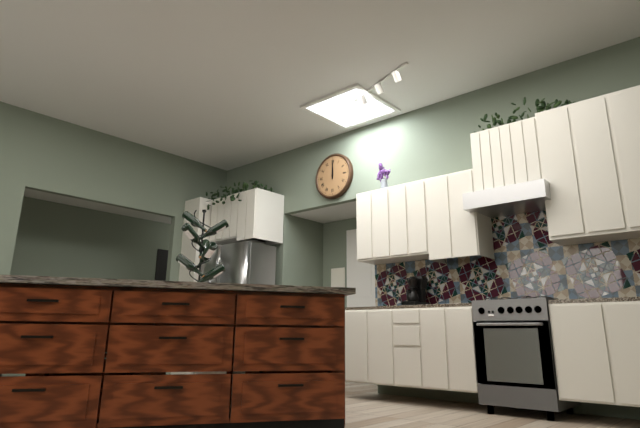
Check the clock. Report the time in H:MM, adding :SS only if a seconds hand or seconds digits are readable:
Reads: 12:00
